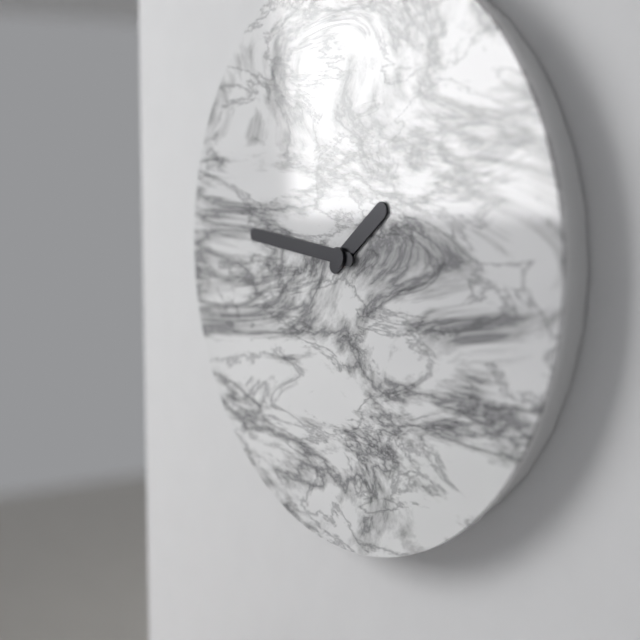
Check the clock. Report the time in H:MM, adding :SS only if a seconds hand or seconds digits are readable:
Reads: 1:46
